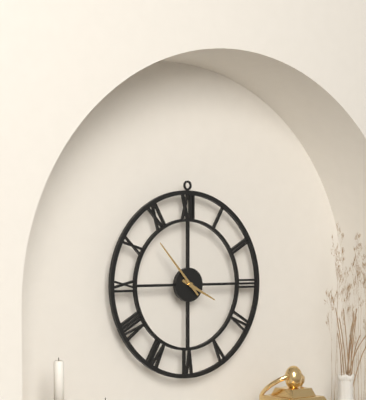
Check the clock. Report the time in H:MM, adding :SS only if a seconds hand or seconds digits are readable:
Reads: 3:53
